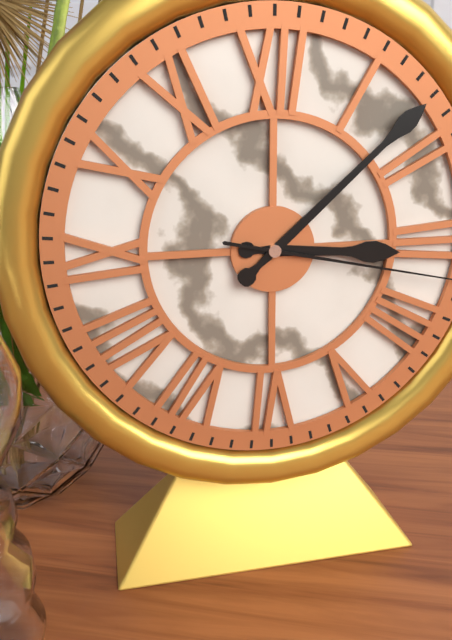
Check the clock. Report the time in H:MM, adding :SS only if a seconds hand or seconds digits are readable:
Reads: 3:08
